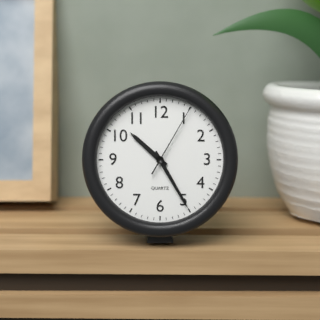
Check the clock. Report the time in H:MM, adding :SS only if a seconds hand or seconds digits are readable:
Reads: 10:25:05
